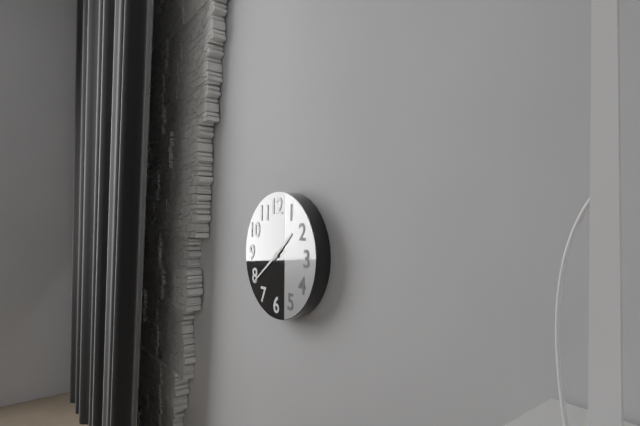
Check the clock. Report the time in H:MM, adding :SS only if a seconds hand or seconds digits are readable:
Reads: 1:39
